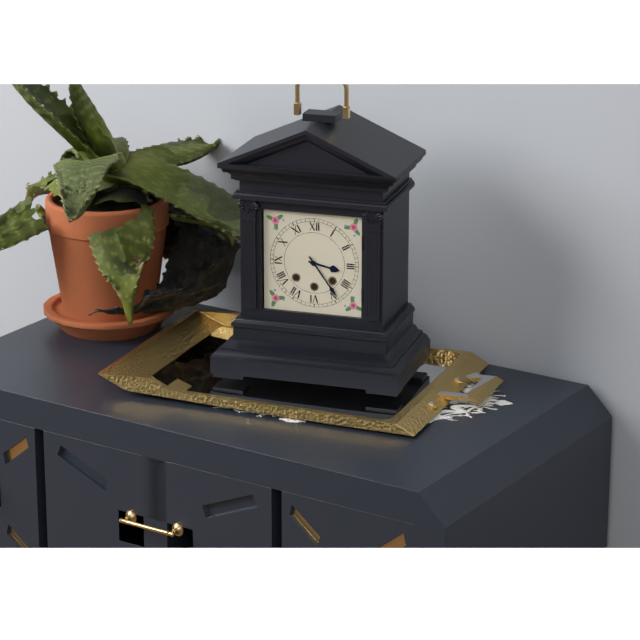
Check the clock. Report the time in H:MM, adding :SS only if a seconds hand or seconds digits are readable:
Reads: 3:24
